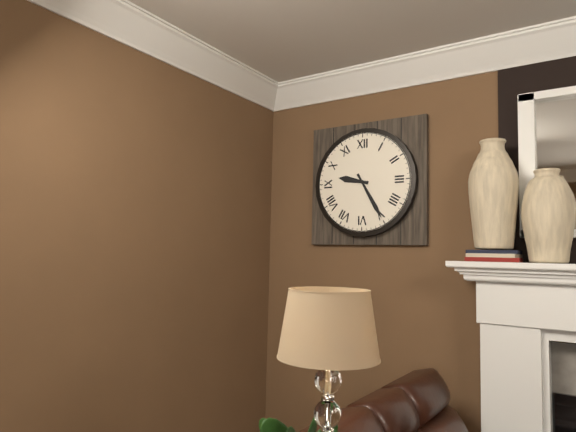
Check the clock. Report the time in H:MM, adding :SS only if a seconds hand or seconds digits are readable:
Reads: 9:25
